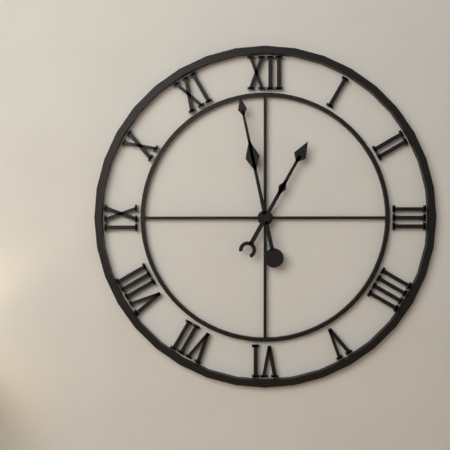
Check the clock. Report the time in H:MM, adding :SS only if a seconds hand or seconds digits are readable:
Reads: 12:58
